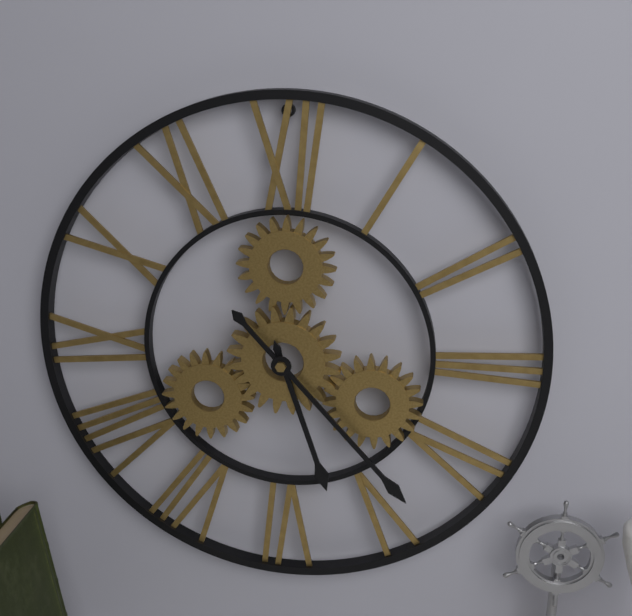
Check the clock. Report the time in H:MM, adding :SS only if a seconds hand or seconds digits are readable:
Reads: 5:23
